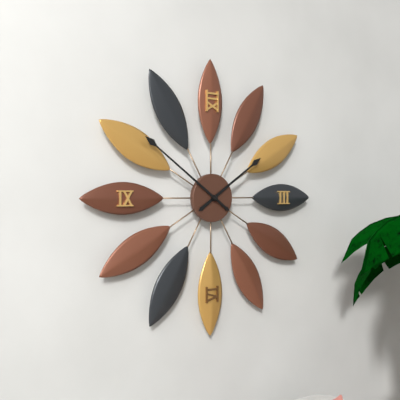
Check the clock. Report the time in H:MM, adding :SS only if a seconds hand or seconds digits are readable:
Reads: 1:51
